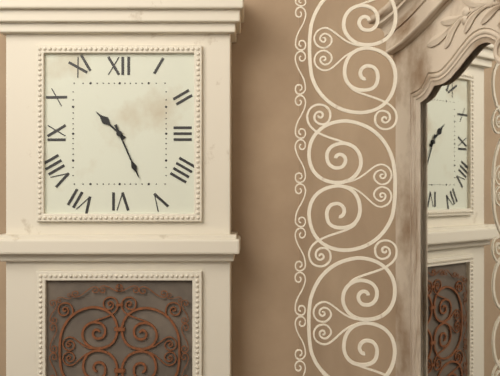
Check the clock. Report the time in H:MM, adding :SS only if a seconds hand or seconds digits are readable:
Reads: 10:26
